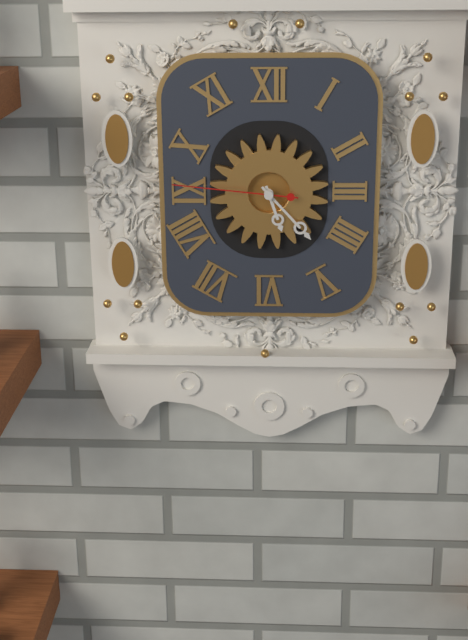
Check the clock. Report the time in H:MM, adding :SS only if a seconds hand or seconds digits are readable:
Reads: 5:23:46
